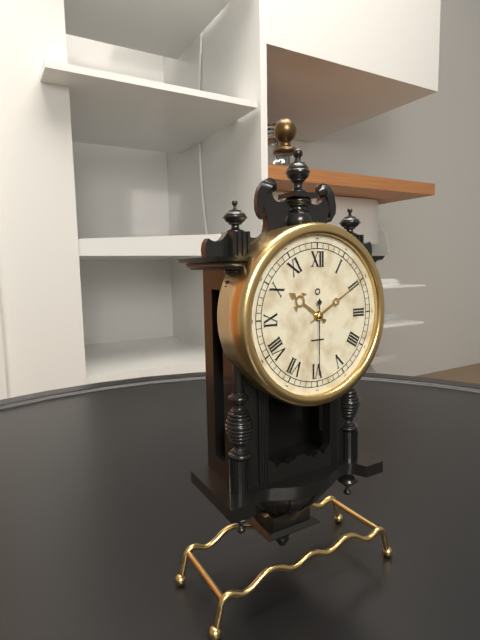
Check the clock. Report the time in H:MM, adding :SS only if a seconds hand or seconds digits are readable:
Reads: 10:10:30
